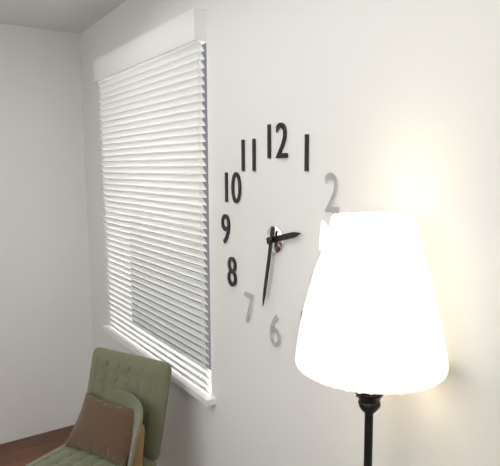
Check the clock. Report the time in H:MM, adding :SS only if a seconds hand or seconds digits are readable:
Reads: 2:32
